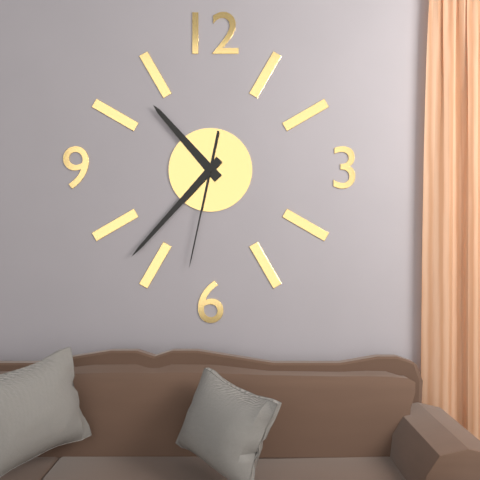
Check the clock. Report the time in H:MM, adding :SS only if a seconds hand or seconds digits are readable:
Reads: 10:37:32
